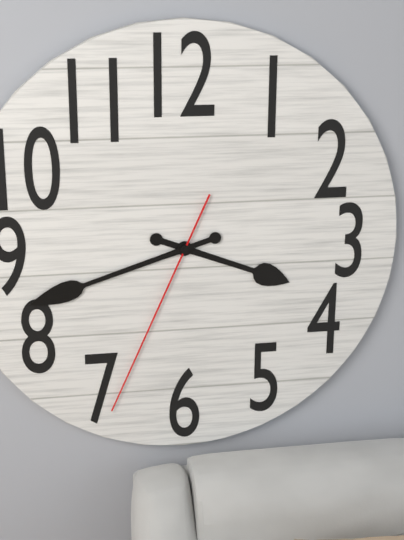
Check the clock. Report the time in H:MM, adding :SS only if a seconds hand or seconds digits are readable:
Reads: 3:42:34
